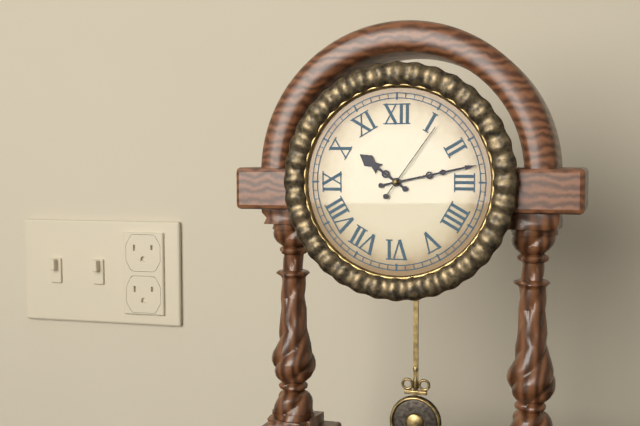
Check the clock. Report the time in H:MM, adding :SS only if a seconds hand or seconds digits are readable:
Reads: 10:13:06
